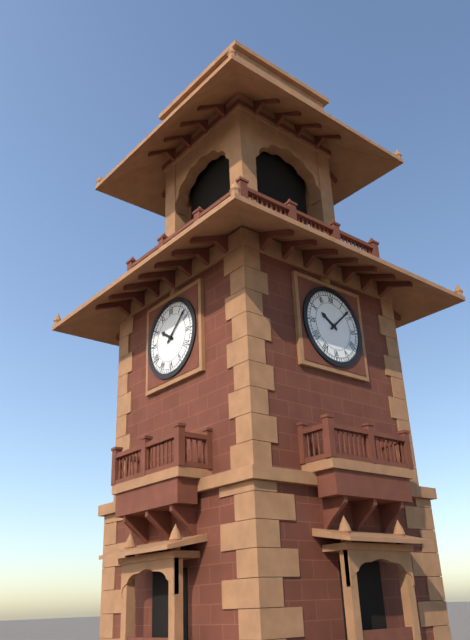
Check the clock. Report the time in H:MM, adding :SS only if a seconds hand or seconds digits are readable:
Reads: 10:08
